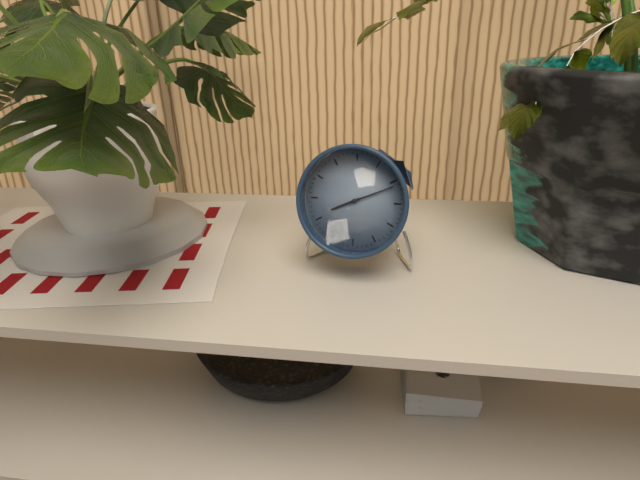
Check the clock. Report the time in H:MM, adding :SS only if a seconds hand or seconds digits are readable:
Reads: 8:11
